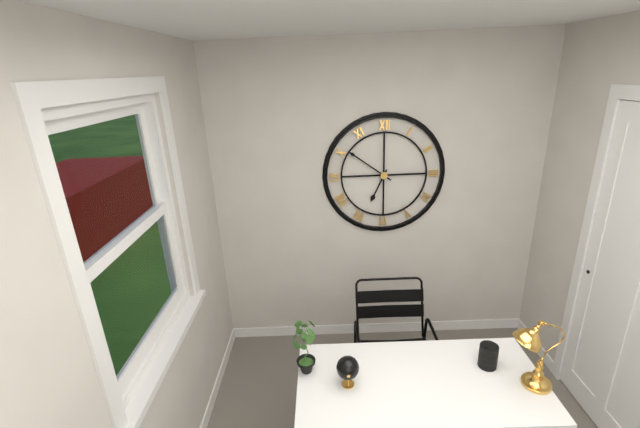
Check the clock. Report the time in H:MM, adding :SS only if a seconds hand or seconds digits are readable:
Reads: 6:51
